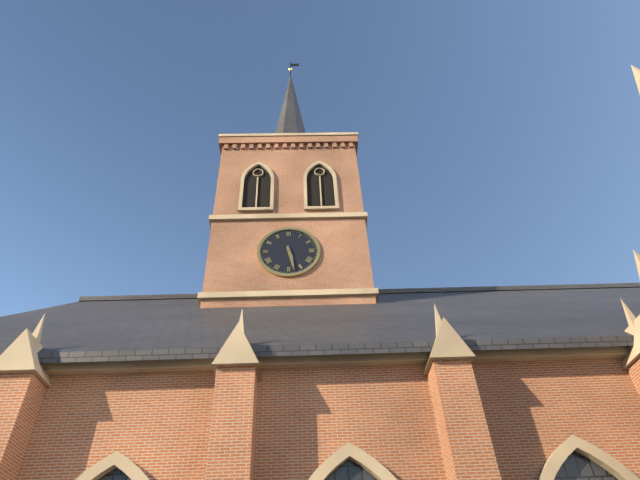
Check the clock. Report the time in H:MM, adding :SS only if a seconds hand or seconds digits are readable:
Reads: 5:28
